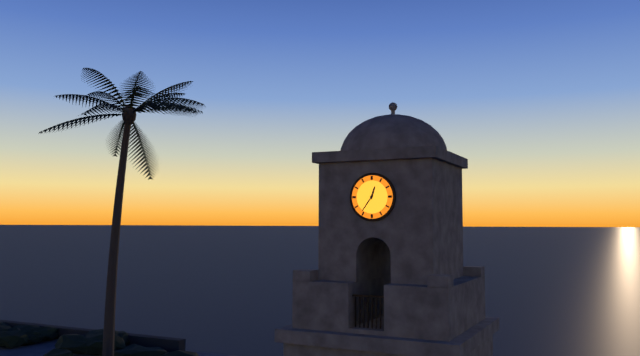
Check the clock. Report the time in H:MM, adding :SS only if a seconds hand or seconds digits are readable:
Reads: 12:36
